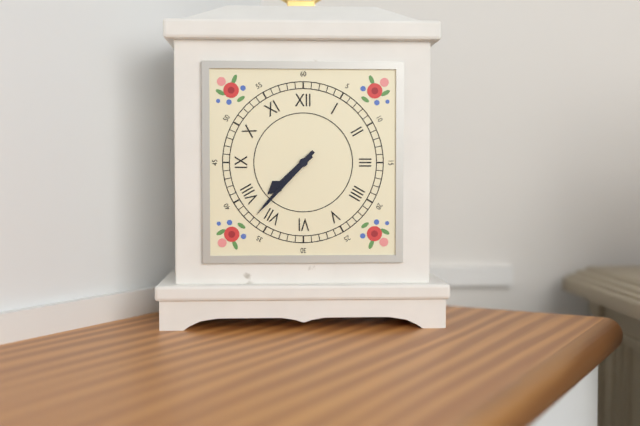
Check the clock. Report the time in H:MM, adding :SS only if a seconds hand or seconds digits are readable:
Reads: 7:37
